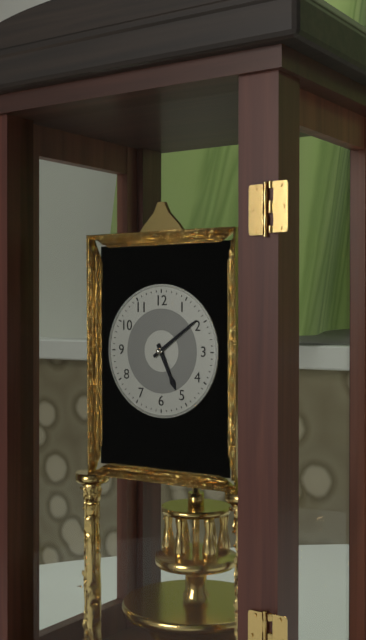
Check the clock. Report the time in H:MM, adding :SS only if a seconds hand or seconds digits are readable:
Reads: 5:09
